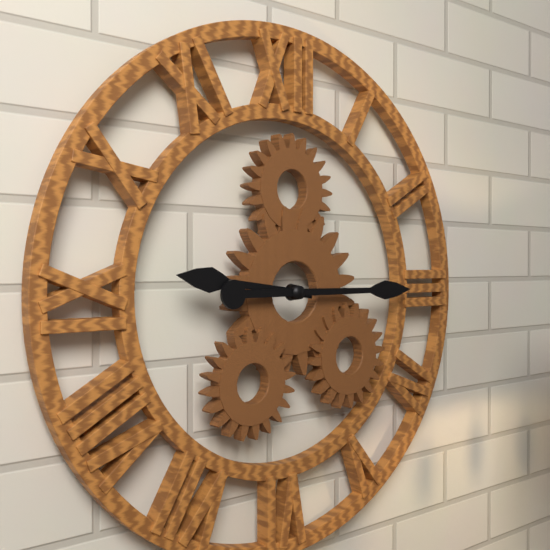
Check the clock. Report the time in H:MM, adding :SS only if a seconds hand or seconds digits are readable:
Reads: 9:15
